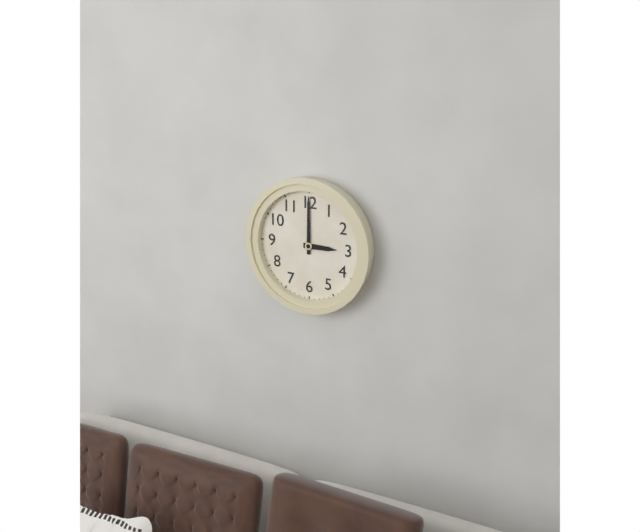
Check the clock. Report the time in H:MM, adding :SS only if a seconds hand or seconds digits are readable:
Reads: 3:00
